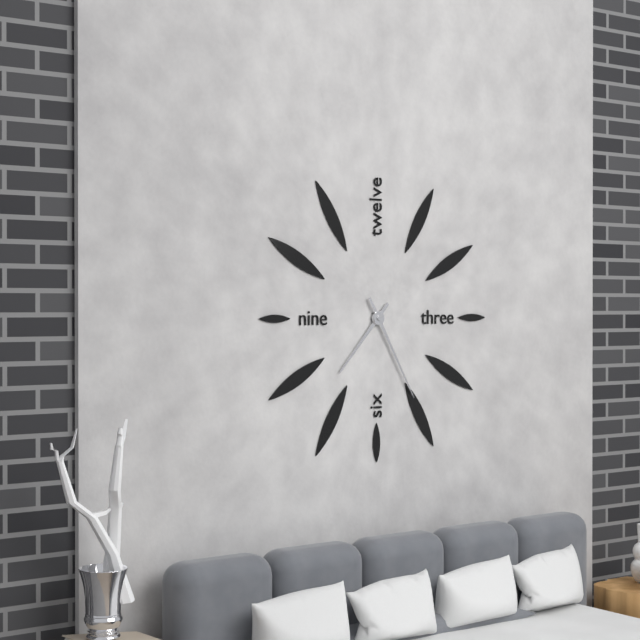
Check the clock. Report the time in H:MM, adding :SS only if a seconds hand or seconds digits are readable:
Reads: 7:25
